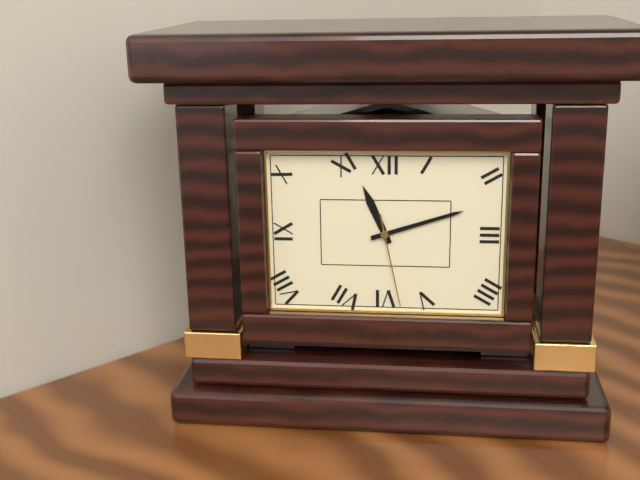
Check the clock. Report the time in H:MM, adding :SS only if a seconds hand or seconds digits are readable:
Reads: 11:12:28
